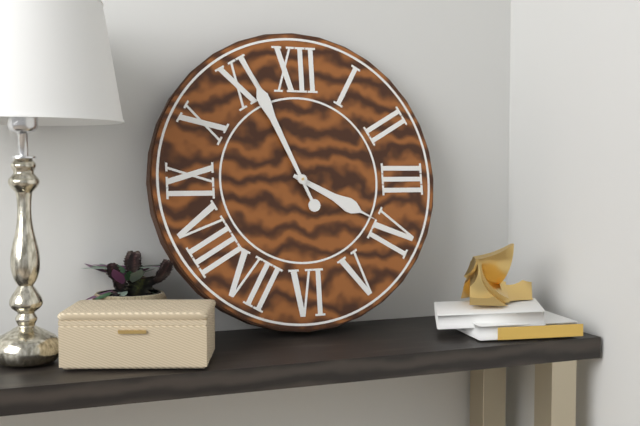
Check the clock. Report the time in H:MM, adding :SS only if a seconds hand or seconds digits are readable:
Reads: 3:56
